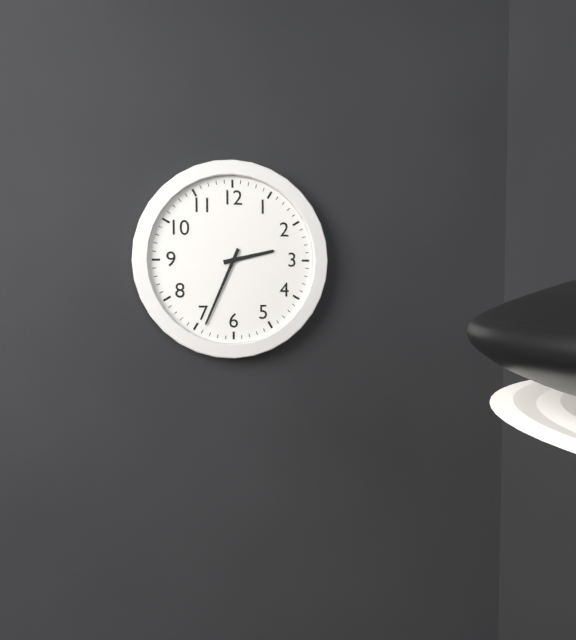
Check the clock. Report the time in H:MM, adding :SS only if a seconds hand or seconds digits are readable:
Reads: 2:34
